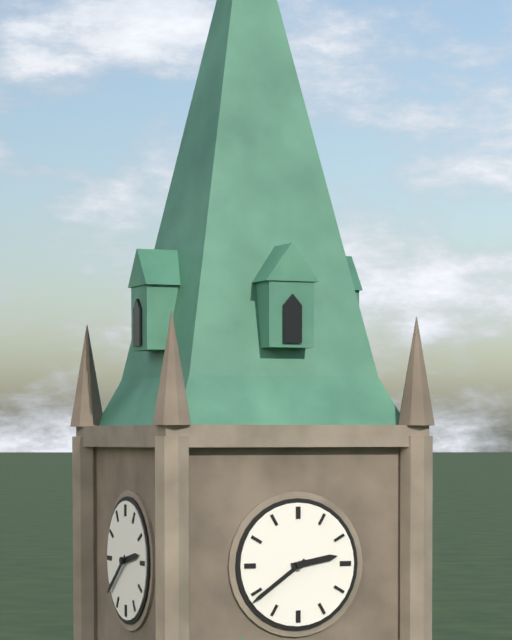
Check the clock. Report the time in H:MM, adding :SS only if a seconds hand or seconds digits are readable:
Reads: 2:39
